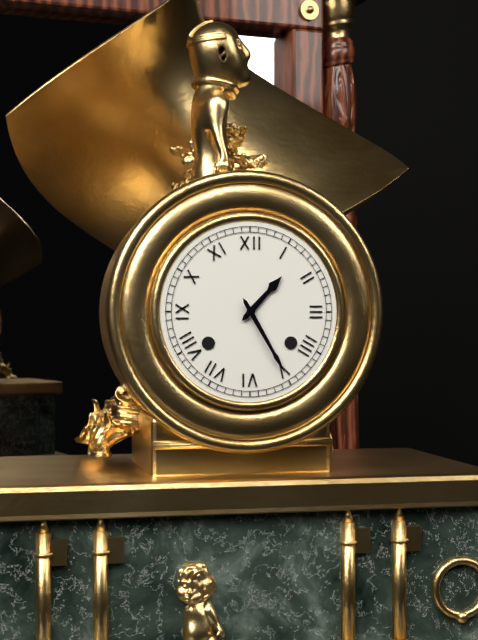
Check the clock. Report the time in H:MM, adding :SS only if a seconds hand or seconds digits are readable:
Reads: 1:25
